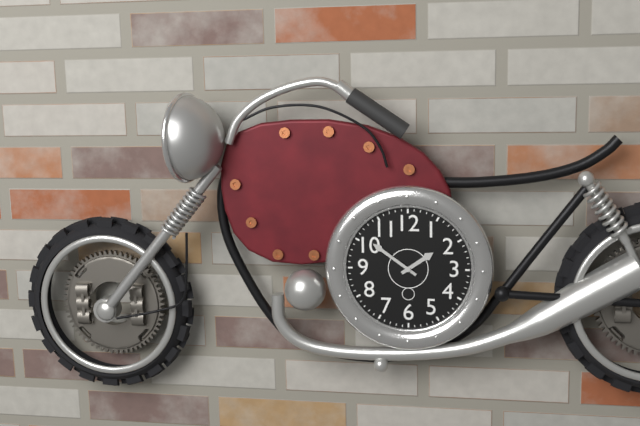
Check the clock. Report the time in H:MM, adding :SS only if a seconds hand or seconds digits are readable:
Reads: 1:51
